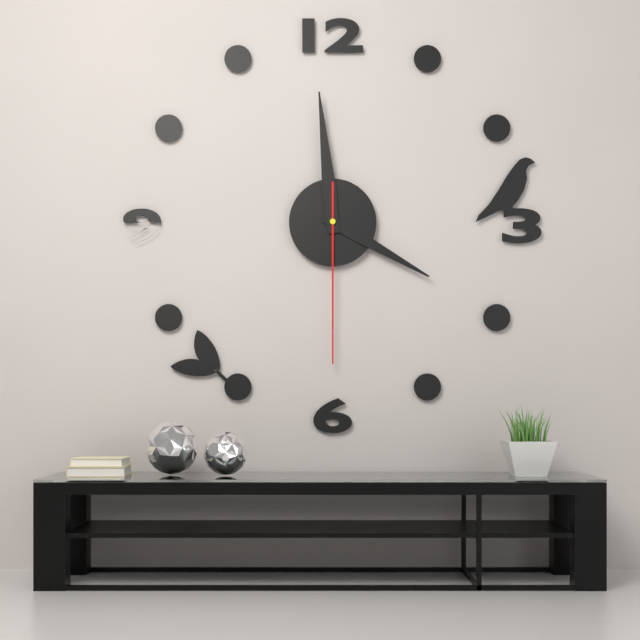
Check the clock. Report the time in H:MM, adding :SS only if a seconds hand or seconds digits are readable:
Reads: 3:59:30
